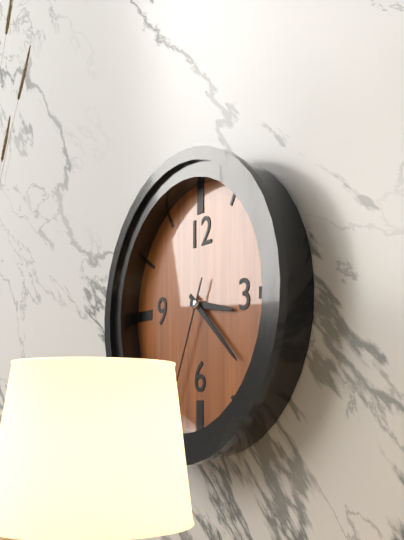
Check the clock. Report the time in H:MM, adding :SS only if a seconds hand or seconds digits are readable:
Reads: 3:22:34
